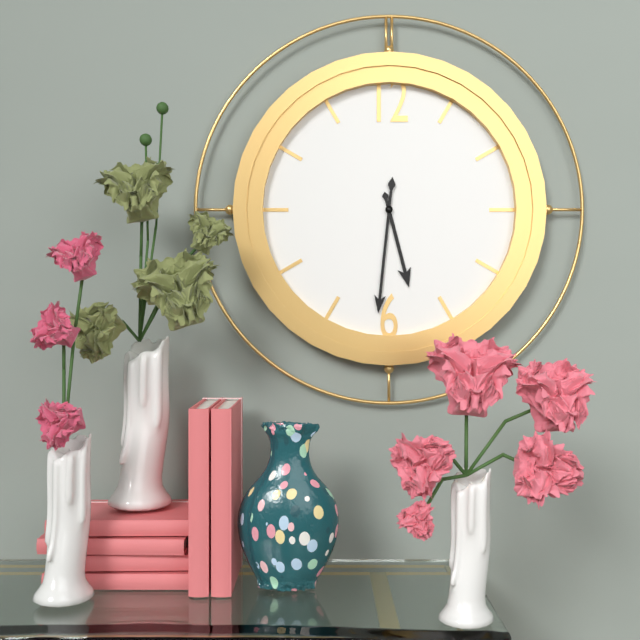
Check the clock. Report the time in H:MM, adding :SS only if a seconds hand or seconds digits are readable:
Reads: 5:31
